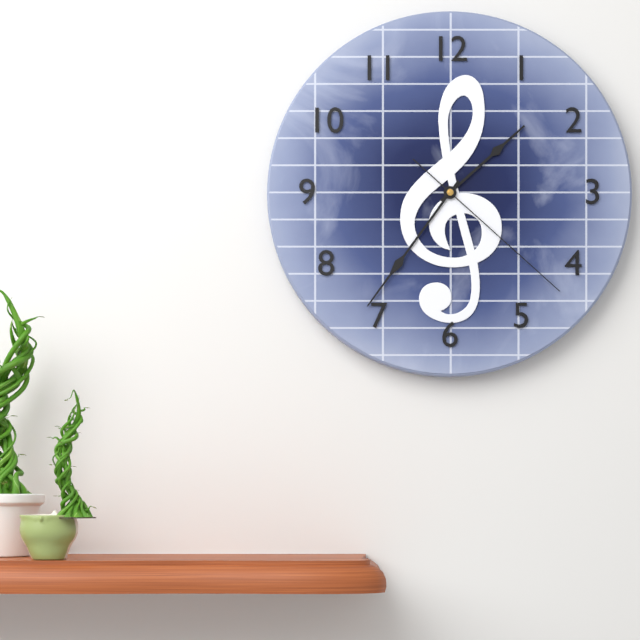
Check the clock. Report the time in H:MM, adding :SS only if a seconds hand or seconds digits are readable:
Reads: 1:36:22
